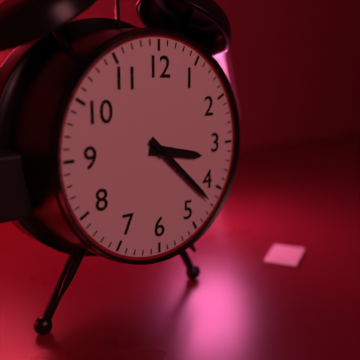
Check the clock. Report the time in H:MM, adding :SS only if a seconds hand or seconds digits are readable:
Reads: 3:22
